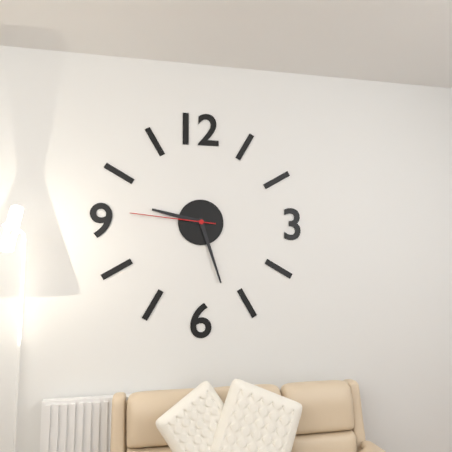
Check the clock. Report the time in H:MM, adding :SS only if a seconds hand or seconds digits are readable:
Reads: 9:27:46
